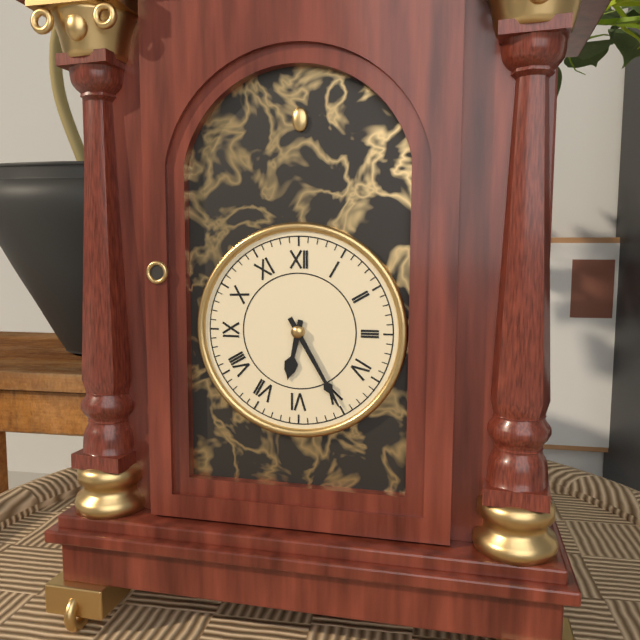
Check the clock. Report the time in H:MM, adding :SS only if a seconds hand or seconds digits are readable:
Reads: 6:25
